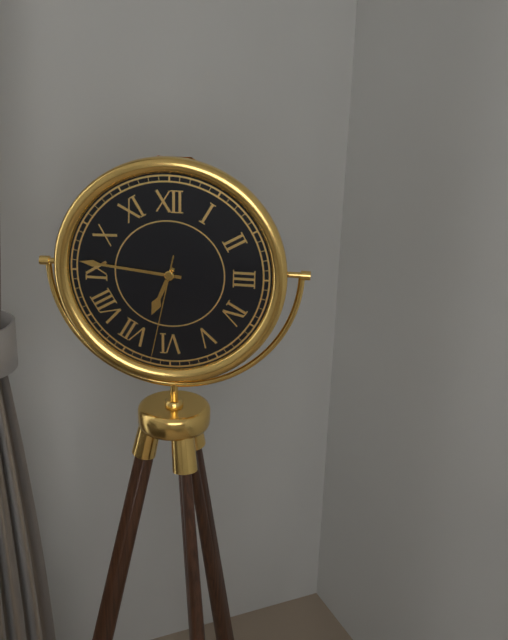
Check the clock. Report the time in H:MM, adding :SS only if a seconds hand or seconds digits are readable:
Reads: 6:46:32
